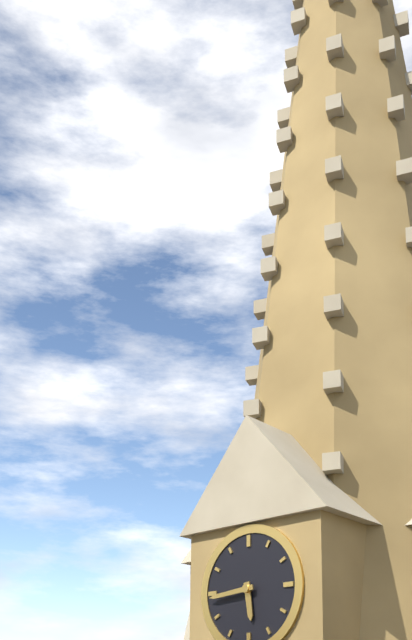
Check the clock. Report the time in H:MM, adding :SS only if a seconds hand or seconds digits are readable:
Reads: 5:44
